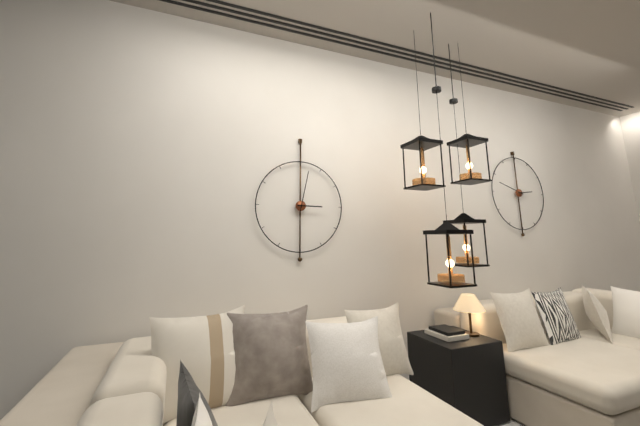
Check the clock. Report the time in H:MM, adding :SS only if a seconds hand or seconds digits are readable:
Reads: 3:02
